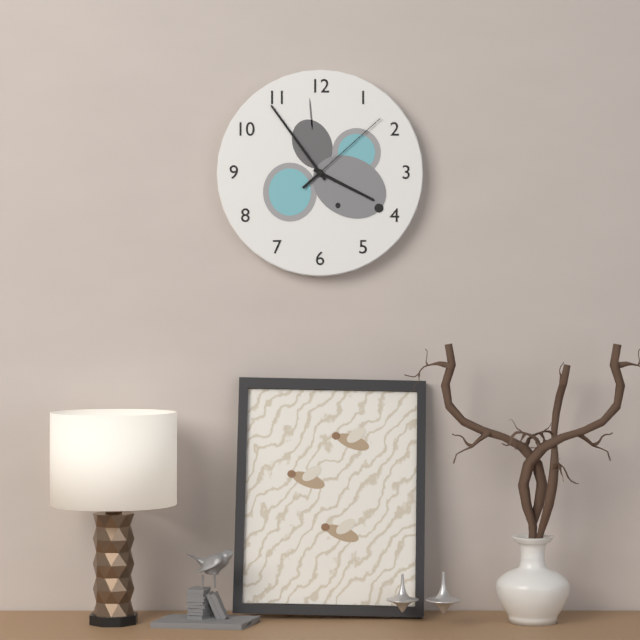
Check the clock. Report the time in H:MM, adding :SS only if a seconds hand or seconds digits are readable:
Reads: 3:54:08
